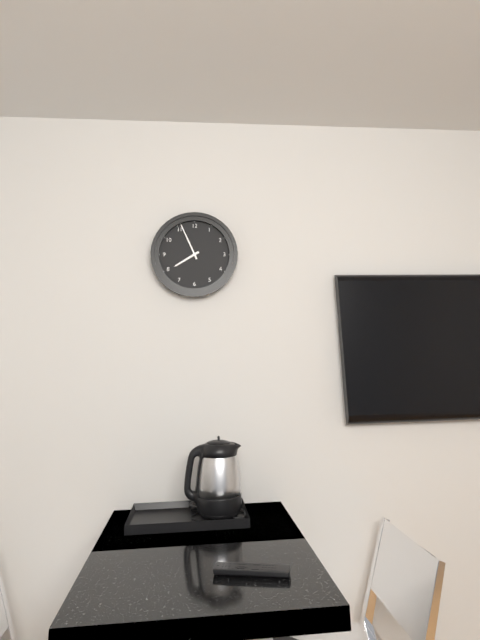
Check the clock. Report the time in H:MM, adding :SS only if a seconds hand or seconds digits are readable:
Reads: 7:56
